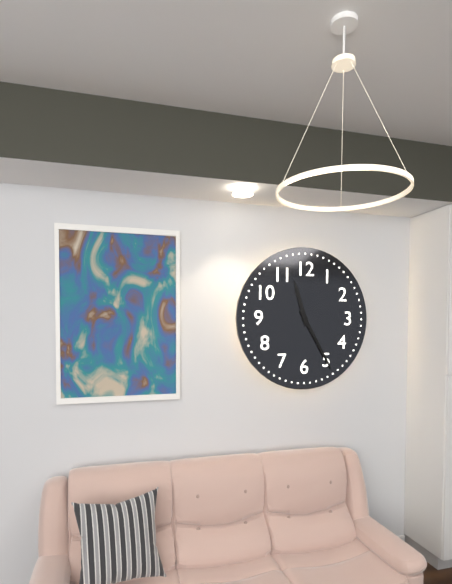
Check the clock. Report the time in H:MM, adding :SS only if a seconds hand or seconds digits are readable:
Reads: 11:25
